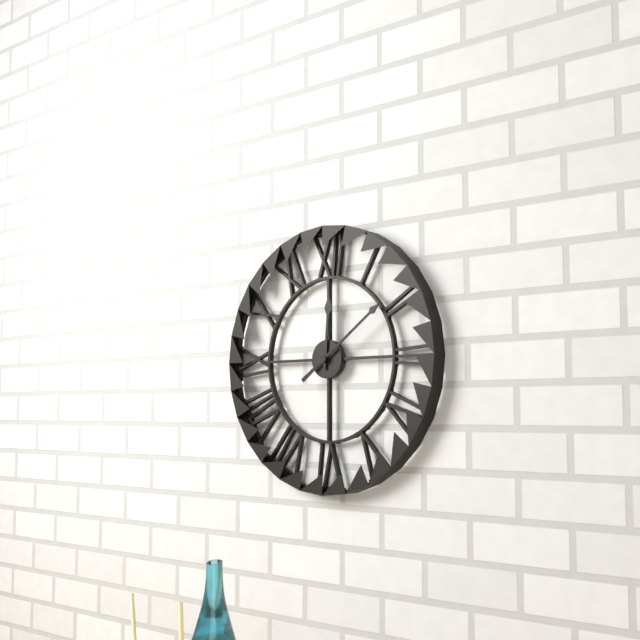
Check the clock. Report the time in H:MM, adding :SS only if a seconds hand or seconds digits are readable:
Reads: 12:09
